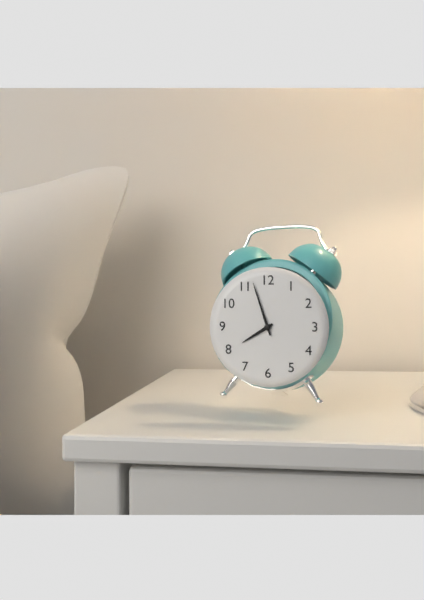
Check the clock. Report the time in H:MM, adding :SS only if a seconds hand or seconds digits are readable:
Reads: 7:57
